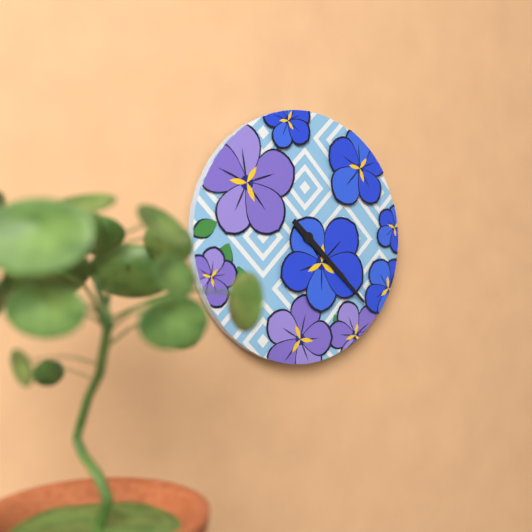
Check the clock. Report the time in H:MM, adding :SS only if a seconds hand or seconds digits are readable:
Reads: 4:22
